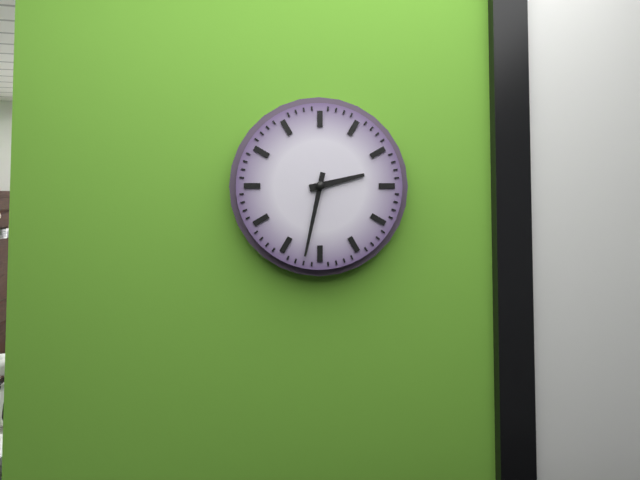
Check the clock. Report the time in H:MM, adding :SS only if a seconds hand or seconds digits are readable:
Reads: 2:32
